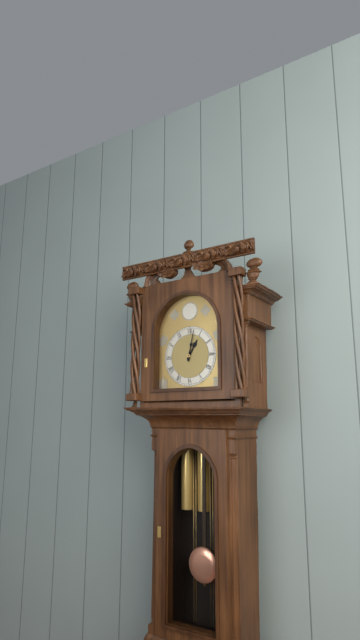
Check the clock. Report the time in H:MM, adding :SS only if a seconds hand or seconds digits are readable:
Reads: 1:02
